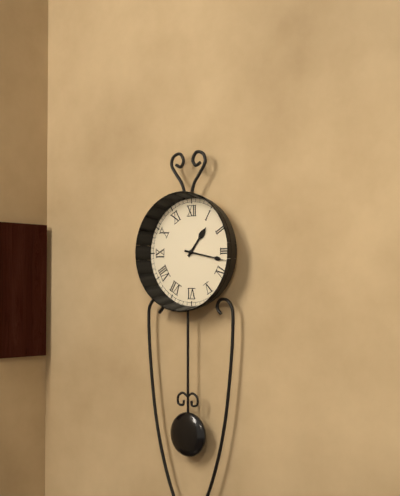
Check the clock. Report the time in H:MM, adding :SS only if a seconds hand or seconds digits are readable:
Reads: 1:17
